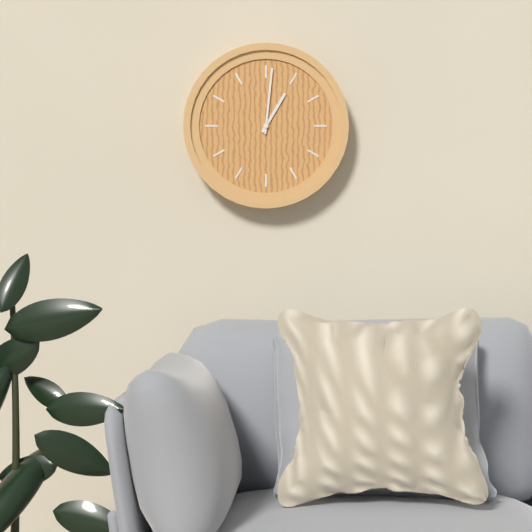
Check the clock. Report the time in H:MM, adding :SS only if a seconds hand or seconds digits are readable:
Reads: 1:01
